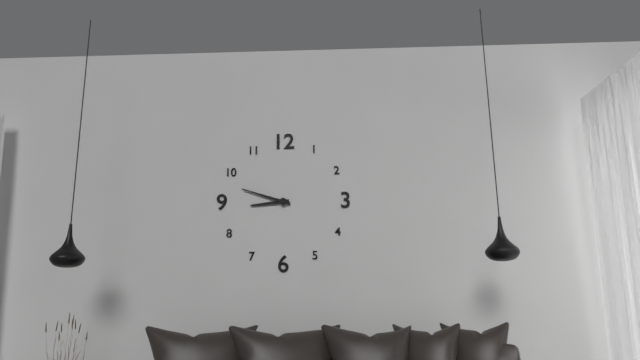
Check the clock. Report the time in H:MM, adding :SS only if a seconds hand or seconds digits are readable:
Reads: 8:48
